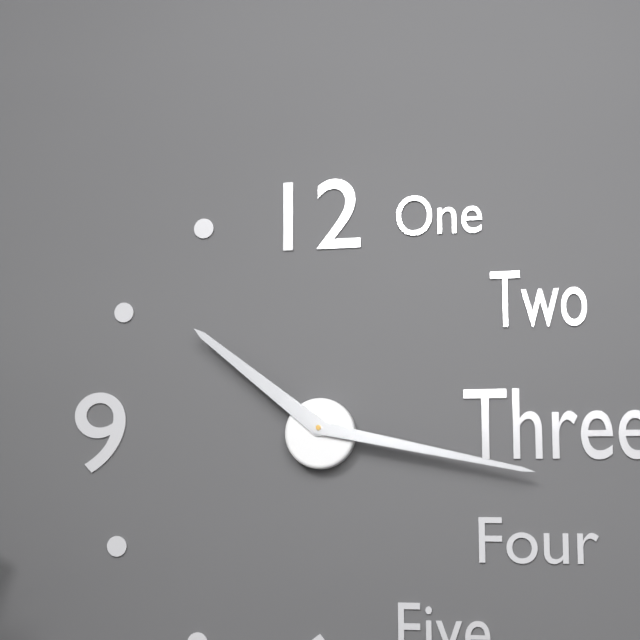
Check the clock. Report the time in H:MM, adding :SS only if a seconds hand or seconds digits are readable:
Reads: 10:17
